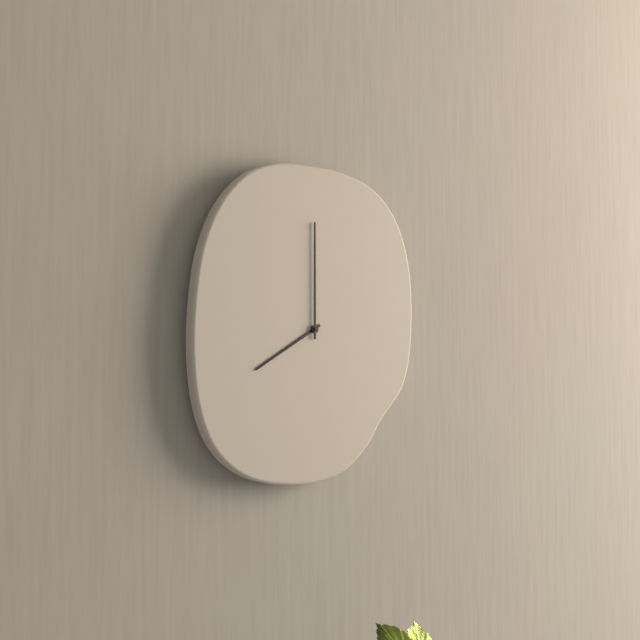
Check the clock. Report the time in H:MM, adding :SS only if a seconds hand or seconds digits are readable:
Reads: 8:00
